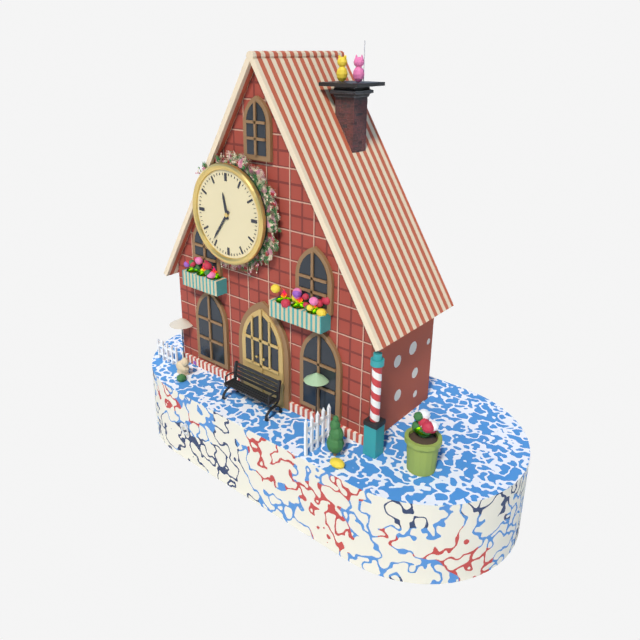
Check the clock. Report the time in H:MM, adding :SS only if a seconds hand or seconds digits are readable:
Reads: 11:36
